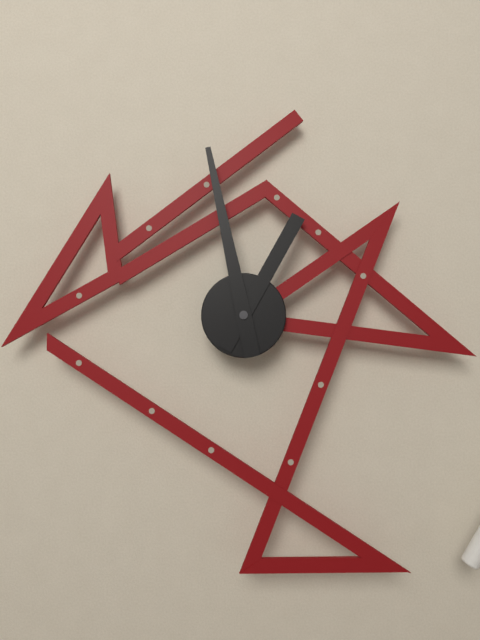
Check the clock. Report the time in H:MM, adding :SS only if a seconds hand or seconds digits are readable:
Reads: 12:58
